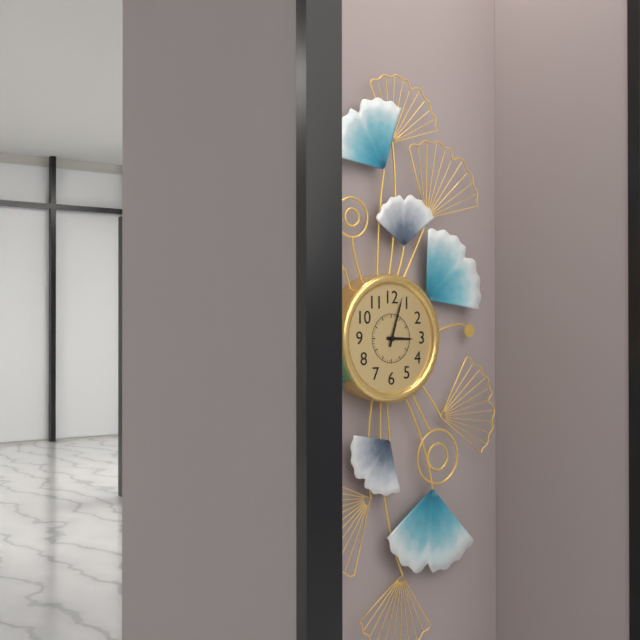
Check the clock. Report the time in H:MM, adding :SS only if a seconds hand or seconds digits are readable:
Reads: 3:03
